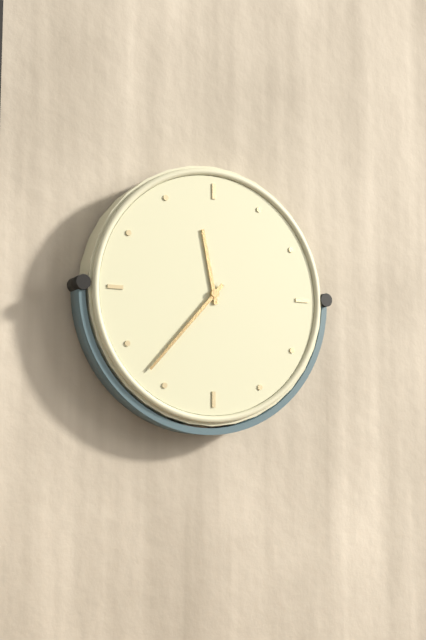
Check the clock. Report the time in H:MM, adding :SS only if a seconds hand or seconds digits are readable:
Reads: 11:37
